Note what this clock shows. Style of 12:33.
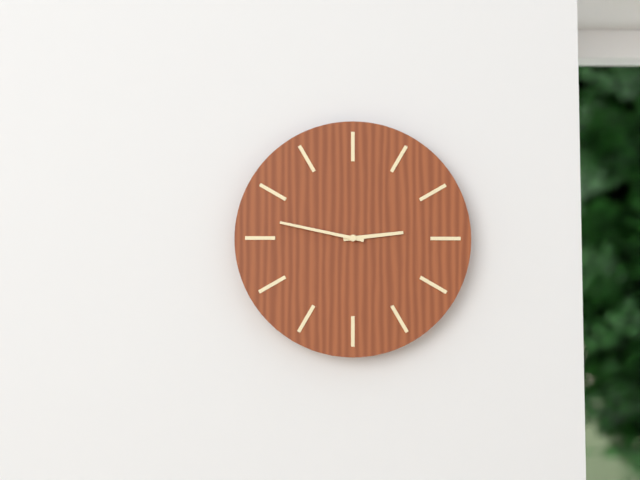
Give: 2:47
